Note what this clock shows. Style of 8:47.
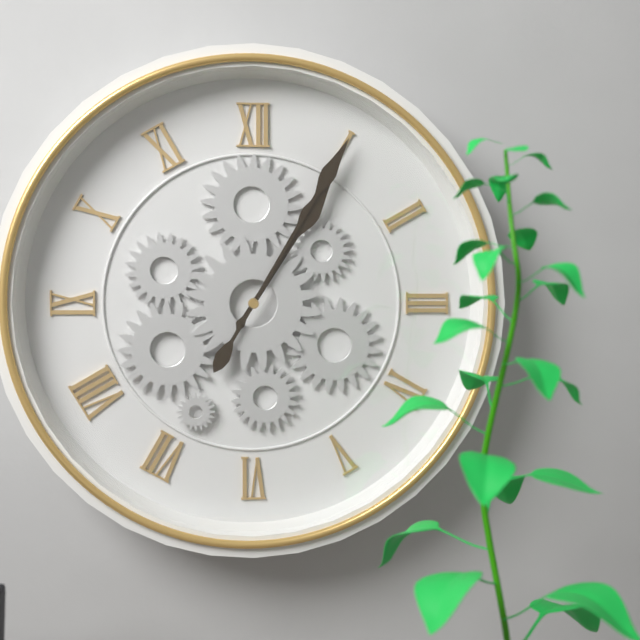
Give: 1:05
